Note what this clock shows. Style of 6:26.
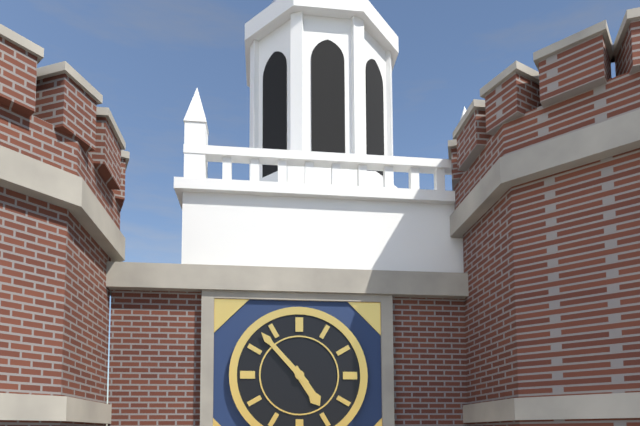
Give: 4:53
